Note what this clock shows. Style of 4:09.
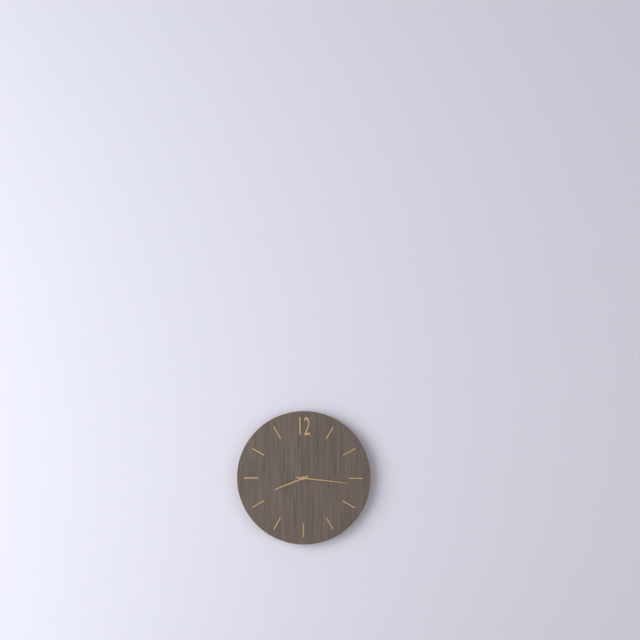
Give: 8:16
